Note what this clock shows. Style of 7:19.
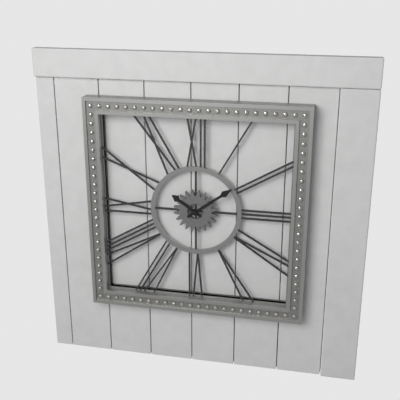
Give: 10:09
